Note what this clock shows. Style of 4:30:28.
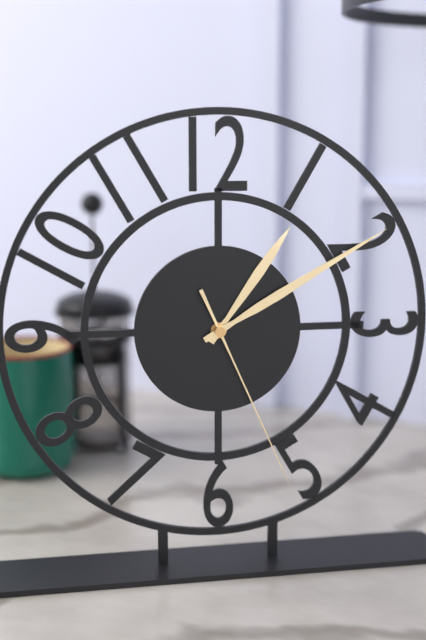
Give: 1:10:26
